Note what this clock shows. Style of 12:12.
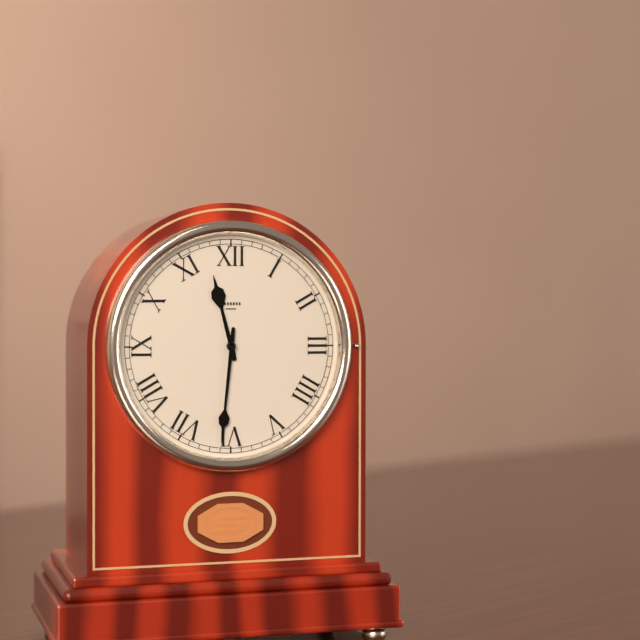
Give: 11:31
